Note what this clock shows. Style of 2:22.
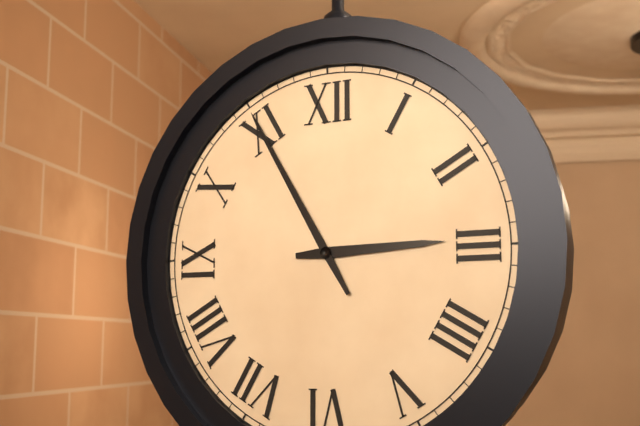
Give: 2:55
